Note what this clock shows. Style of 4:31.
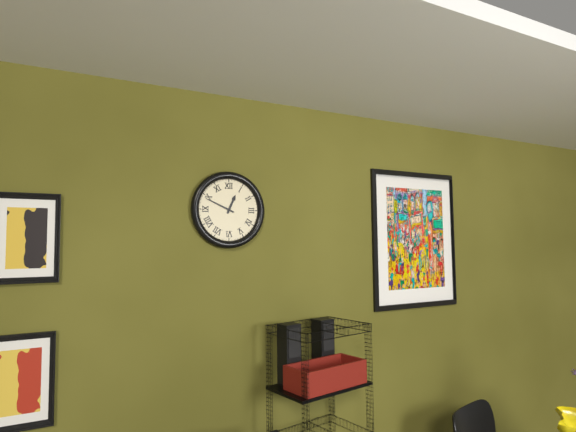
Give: 12:49
